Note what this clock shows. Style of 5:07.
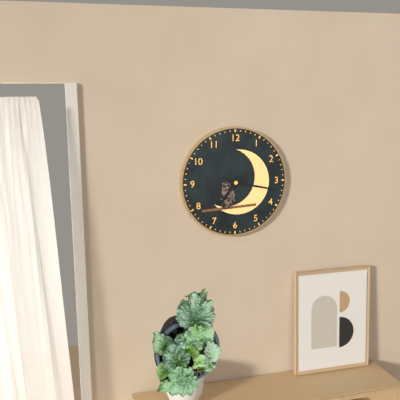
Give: 7:17
